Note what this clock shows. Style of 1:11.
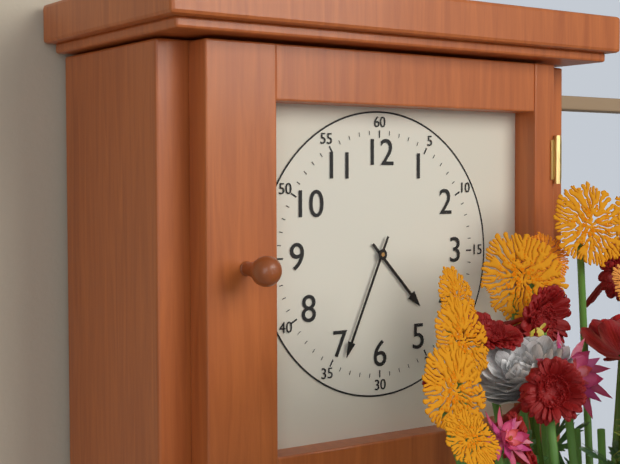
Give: 4:34
